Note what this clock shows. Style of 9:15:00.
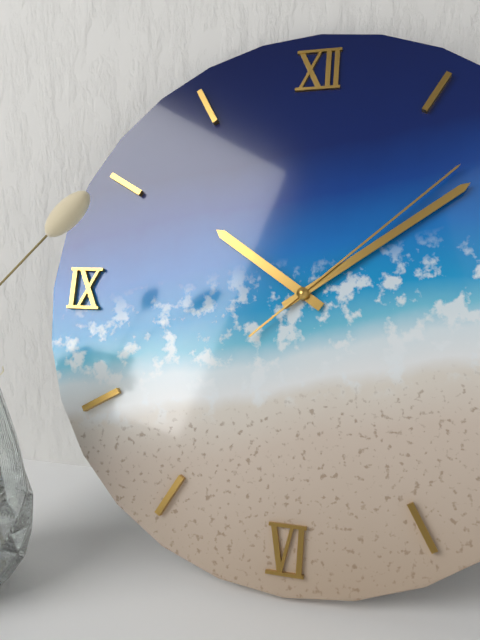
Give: 10:09:08
